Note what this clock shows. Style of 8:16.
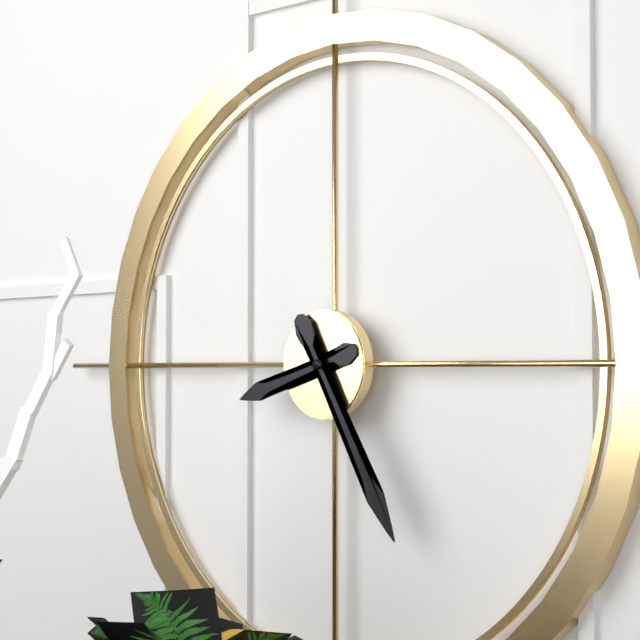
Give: 8:25
